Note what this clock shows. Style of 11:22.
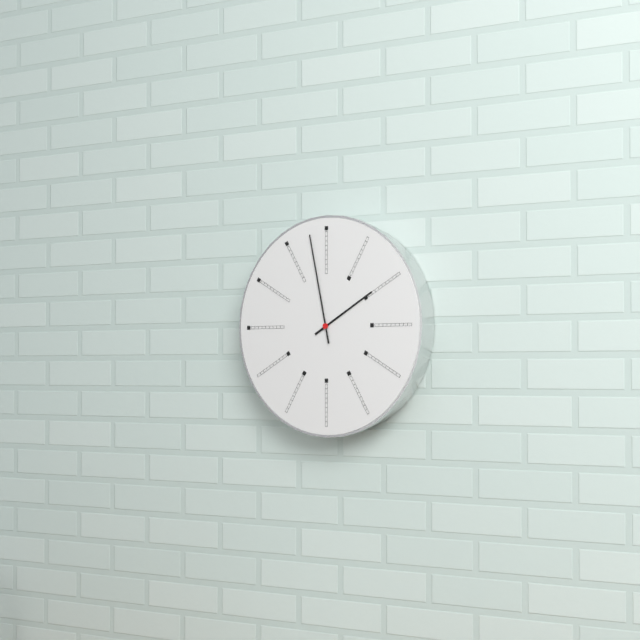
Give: 1:58
